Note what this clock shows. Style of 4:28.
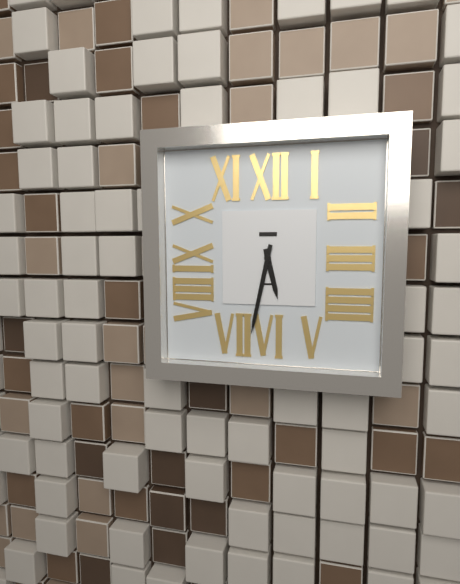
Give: 5:32
